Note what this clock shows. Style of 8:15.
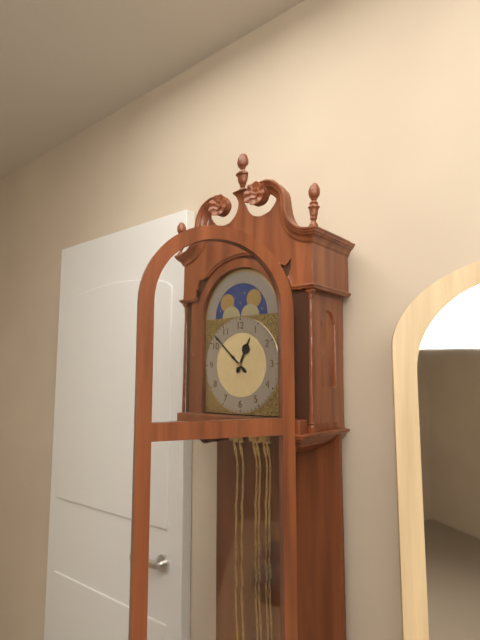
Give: 12:52
